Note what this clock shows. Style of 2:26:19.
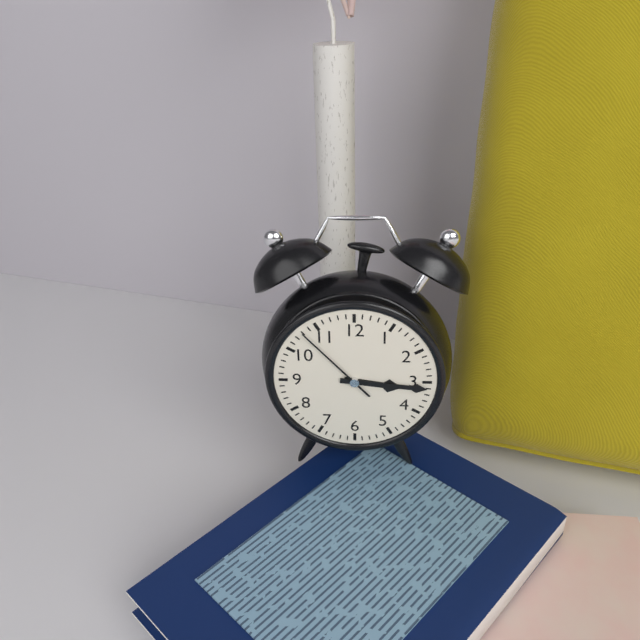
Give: 3:16:53
